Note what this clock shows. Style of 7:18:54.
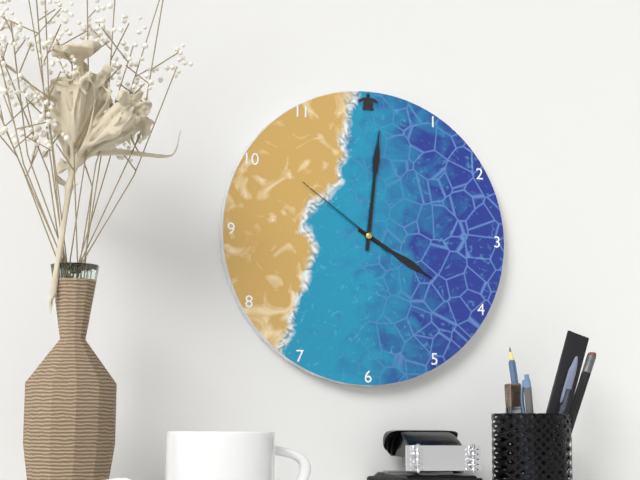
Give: 4:01:51
